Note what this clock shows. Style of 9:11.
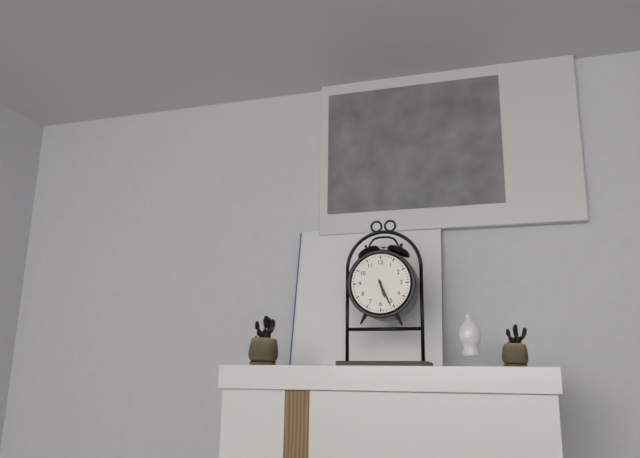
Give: 5:26
